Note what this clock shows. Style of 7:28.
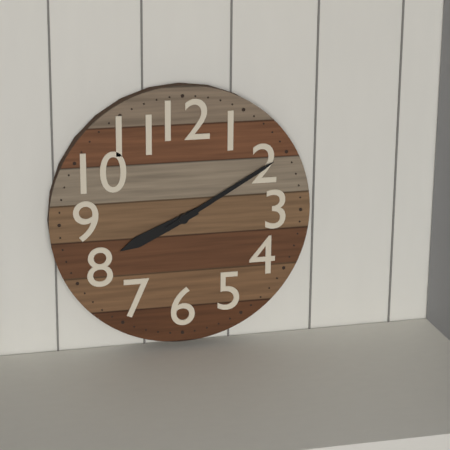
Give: 8:10
